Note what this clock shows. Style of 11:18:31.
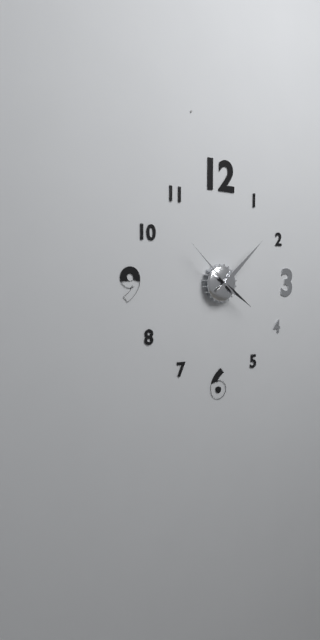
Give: 4:08:52
